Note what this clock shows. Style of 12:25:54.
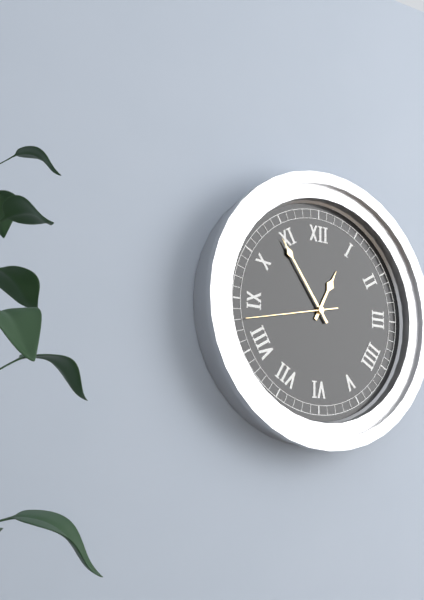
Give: 12:54:43
